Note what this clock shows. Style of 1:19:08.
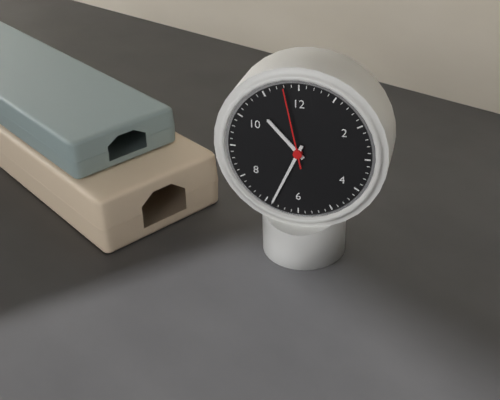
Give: 10:34:58
